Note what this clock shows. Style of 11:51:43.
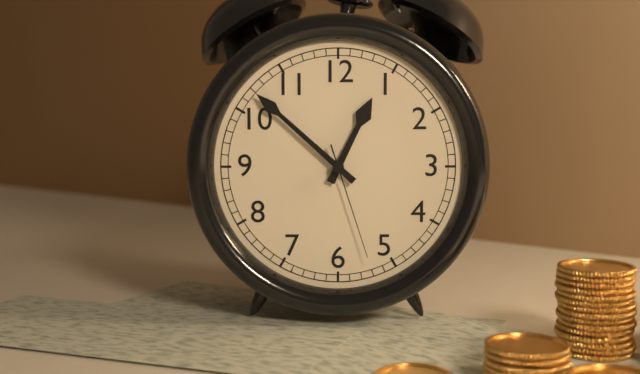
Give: 12:52:27
